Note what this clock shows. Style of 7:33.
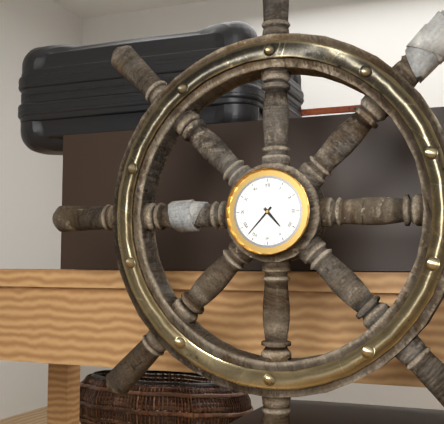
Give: 4:37
